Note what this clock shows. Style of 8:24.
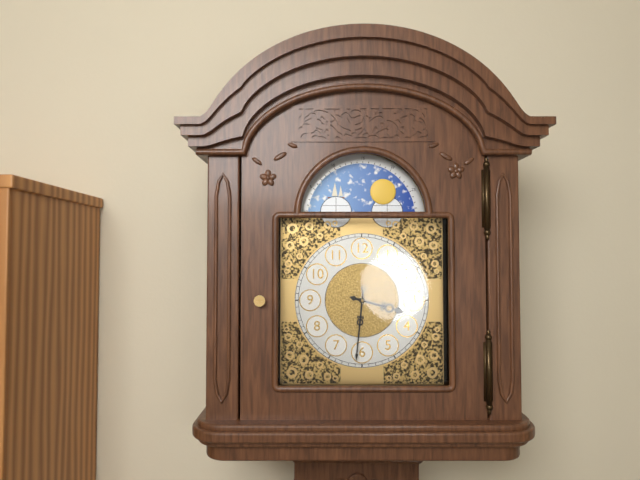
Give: 3:31
